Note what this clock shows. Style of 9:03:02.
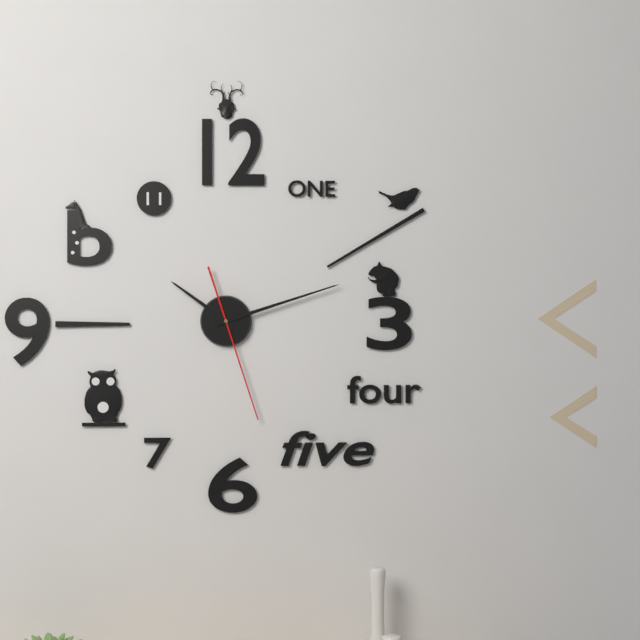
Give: 10:12:27
